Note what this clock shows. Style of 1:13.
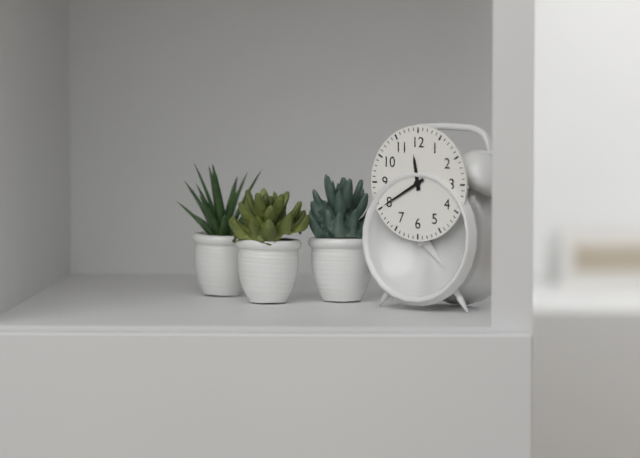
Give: 11:40
